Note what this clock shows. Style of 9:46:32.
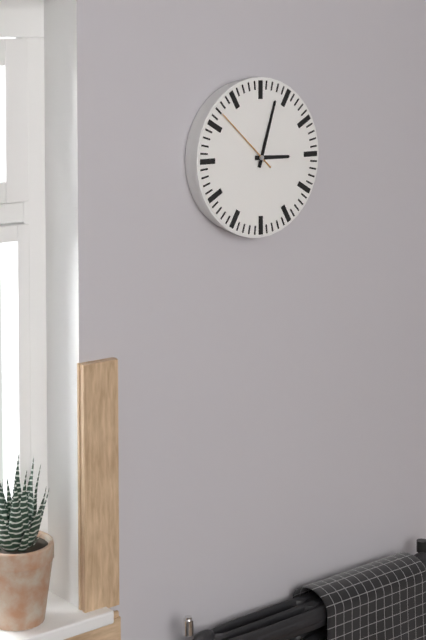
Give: 3:03:52
